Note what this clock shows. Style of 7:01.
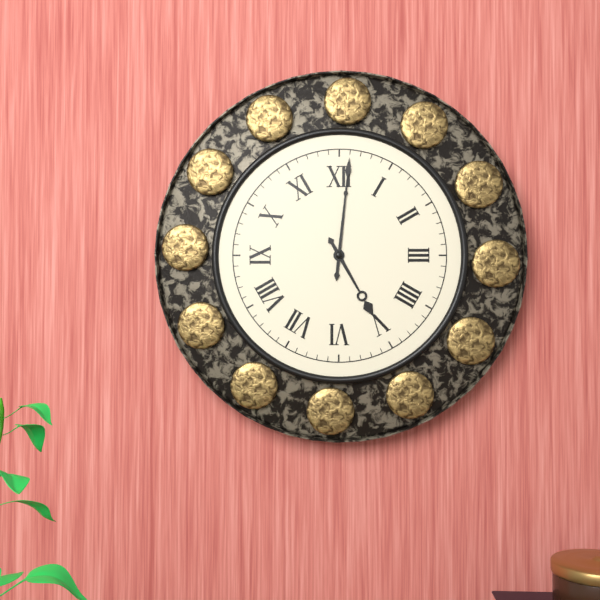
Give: 5:01
